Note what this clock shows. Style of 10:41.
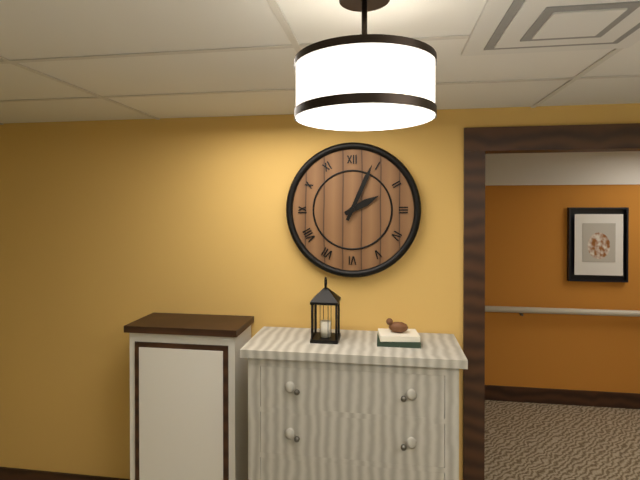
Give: 2:04
